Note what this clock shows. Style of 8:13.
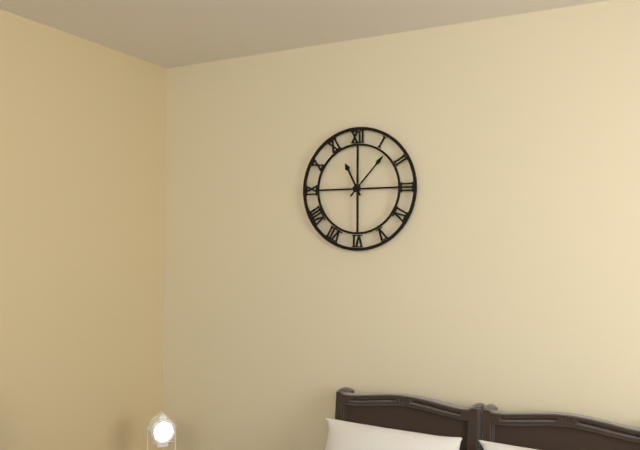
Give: 11:07
